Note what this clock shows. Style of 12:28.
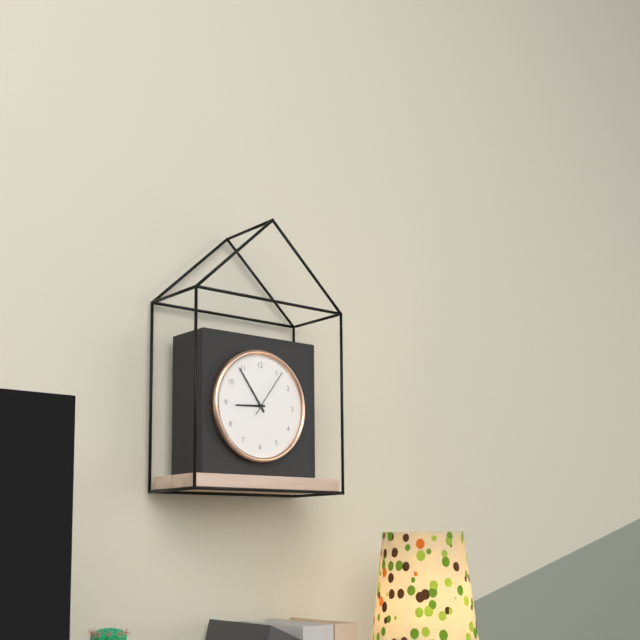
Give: 8:54
